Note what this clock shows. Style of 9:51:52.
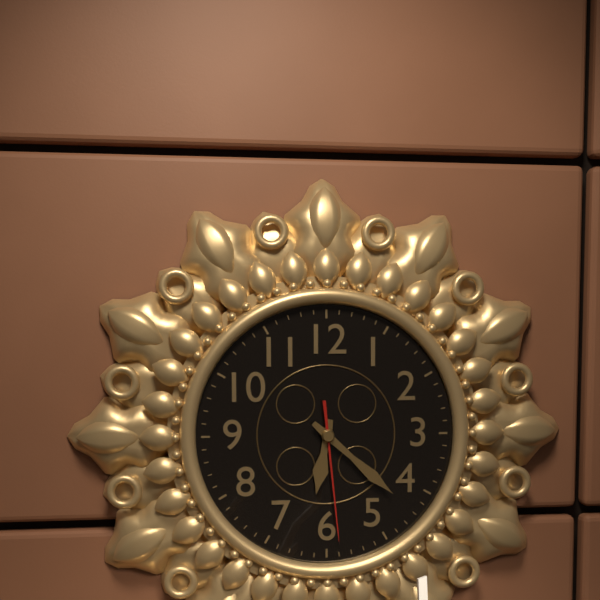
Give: 6:22:29
